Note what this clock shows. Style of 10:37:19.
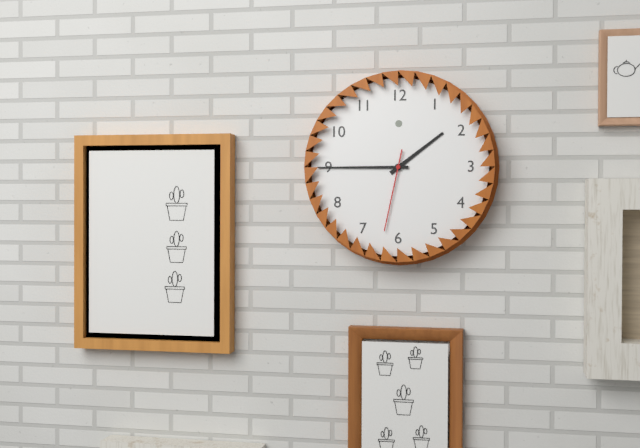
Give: 1:45:32
